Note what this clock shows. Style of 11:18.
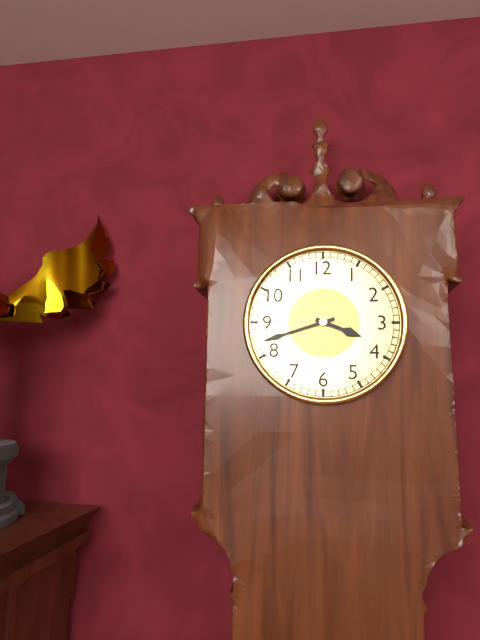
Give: 3:42
